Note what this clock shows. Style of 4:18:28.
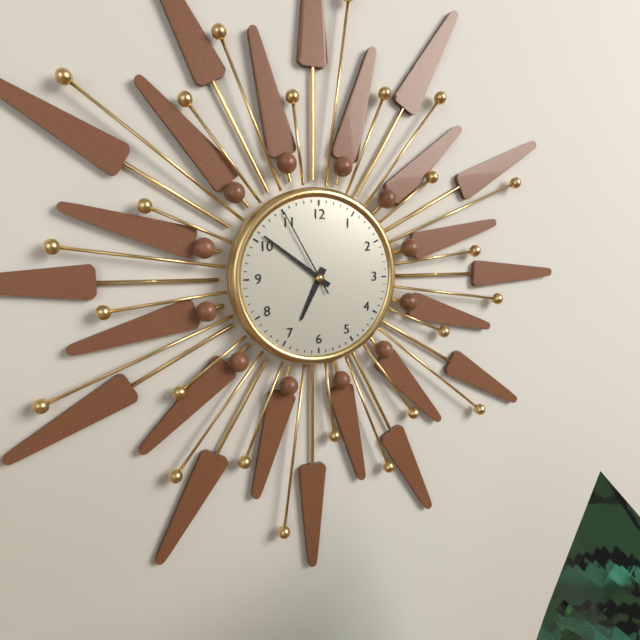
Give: 6:51:55
